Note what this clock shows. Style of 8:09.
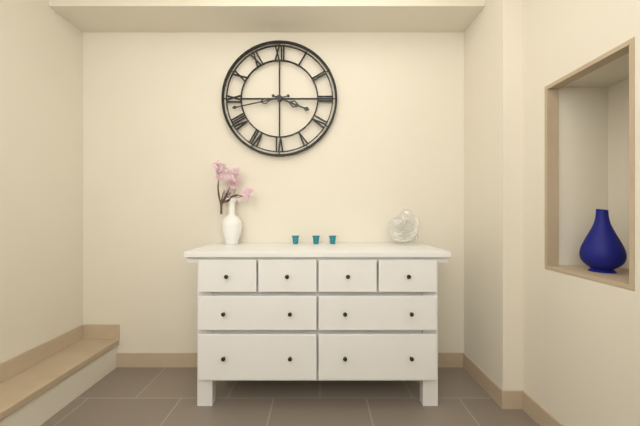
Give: 3:43
